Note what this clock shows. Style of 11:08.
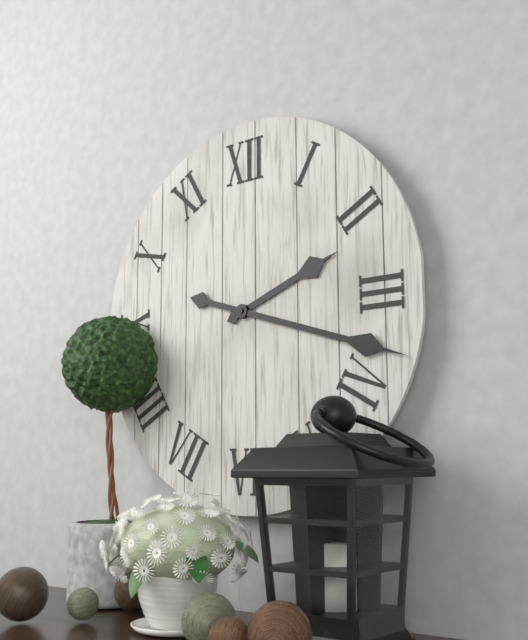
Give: 2:18
